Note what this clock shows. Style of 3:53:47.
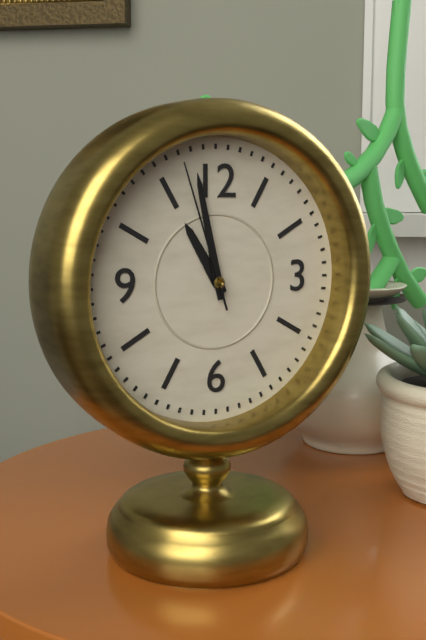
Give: 10:58:57
